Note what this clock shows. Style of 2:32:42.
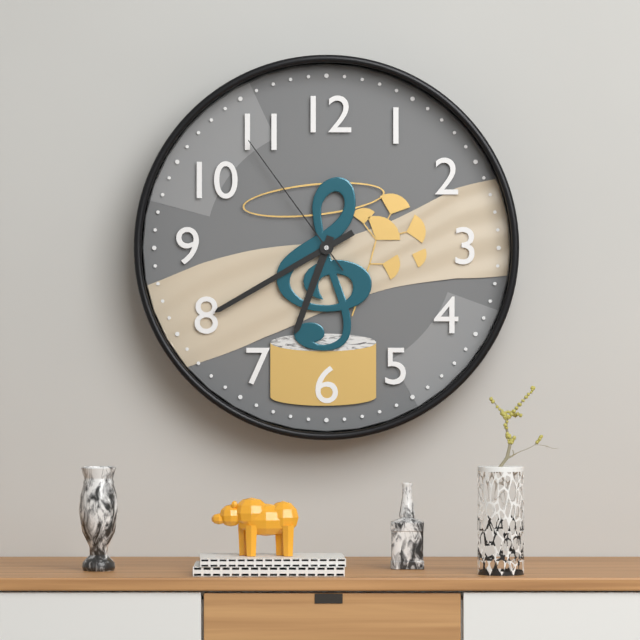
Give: 6:40:54
